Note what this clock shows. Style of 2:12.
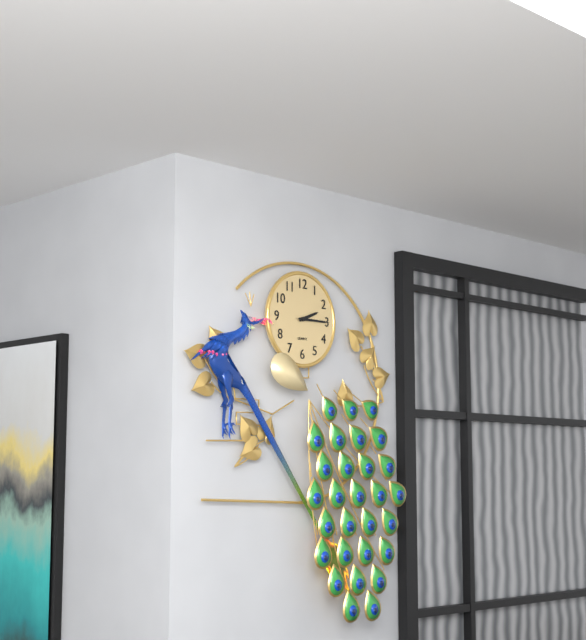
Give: 2:15
